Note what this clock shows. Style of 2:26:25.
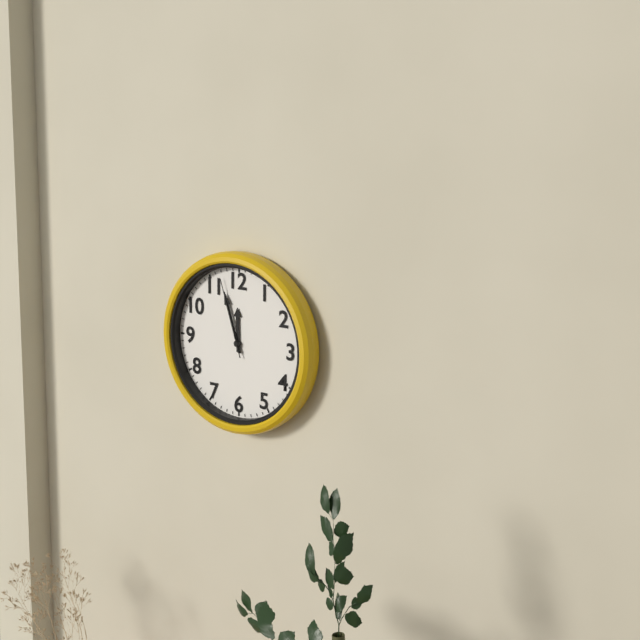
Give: 11:57:57
